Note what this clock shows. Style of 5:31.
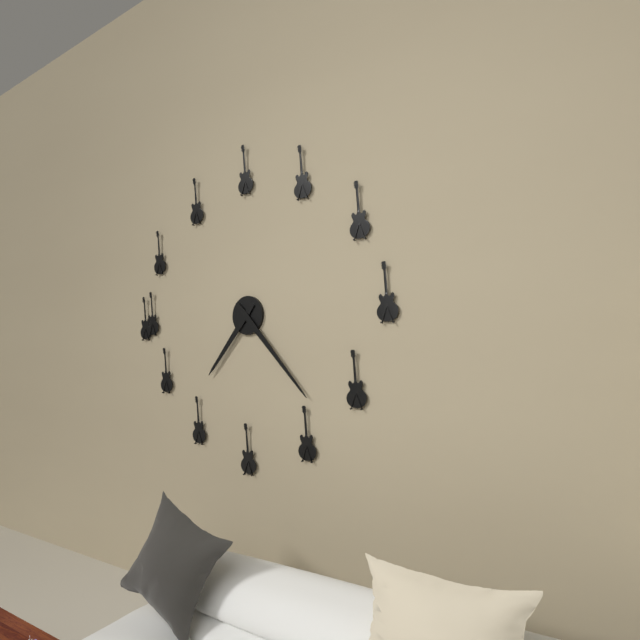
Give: 7:23
